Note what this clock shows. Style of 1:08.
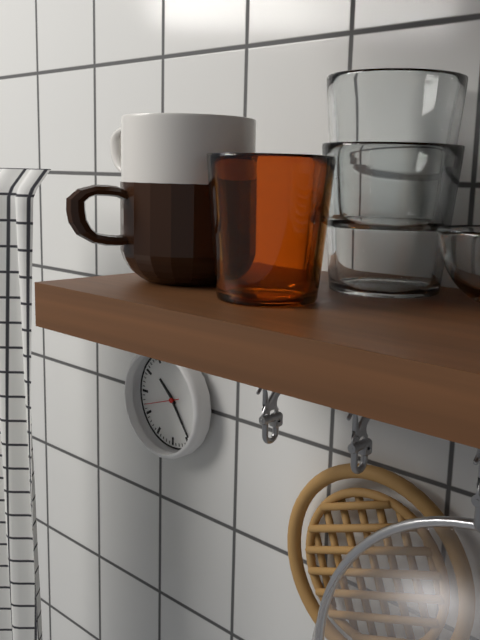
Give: 10:24
